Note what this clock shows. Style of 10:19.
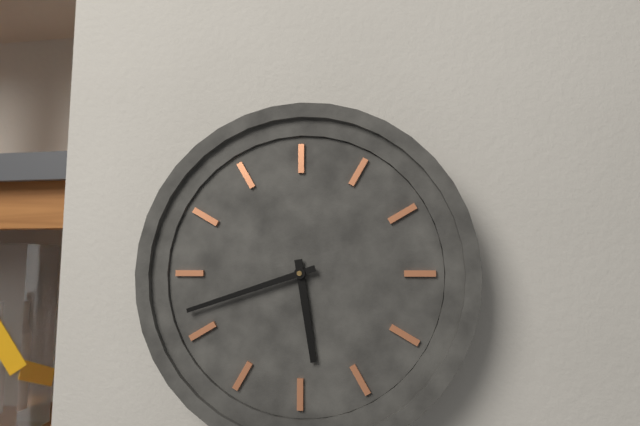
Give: 5:42
